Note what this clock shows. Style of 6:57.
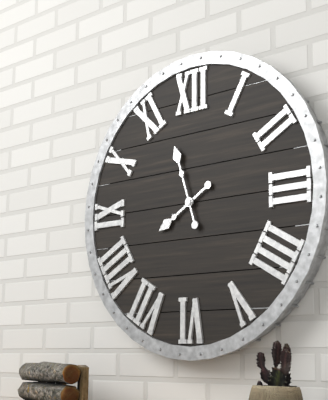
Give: 7:57
